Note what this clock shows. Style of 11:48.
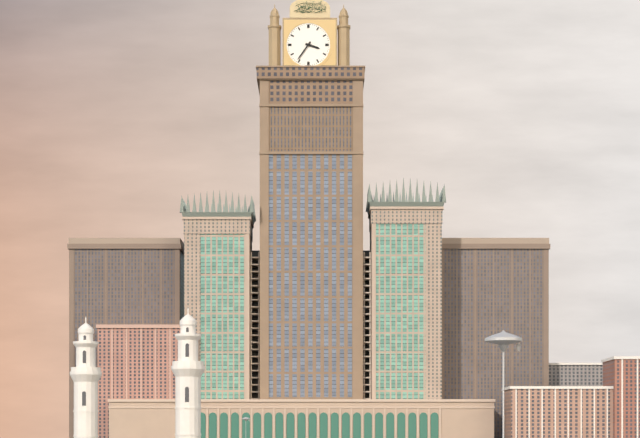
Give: 3:36
